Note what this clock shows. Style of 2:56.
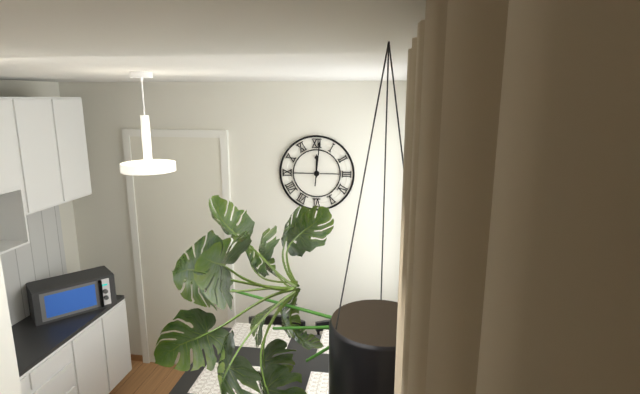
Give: 12:01
